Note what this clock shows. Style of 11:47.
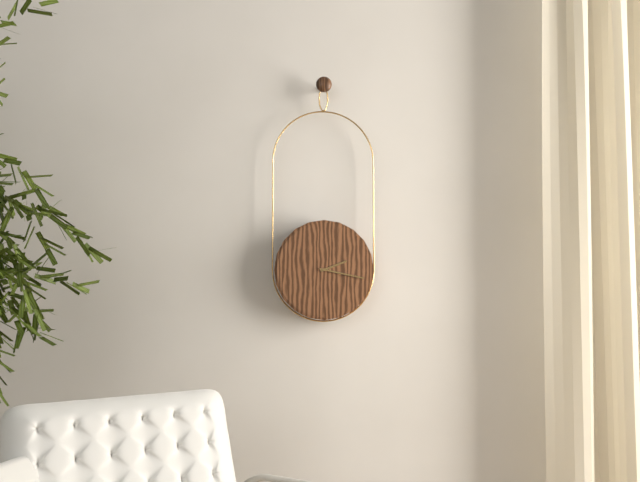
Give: 2:17
